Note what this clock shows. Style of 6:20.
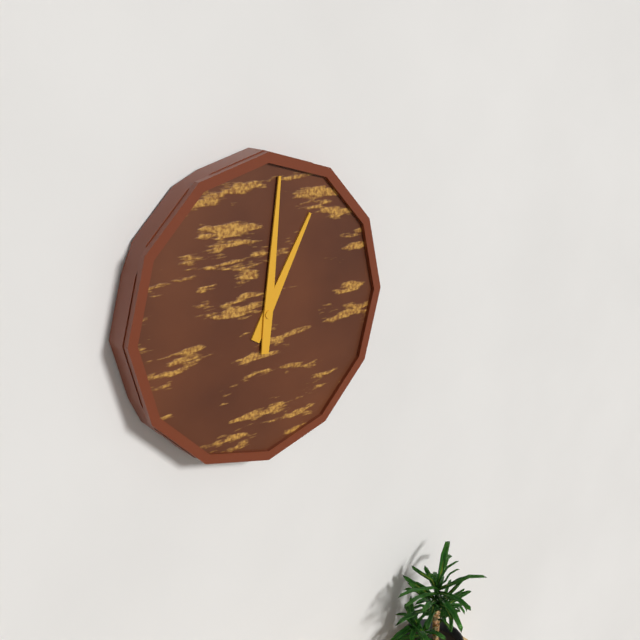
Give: 1:01
